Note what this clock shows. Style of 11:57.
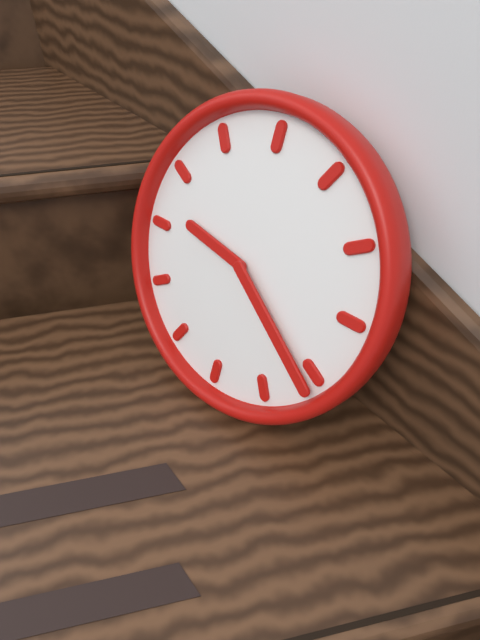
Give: 9:21
